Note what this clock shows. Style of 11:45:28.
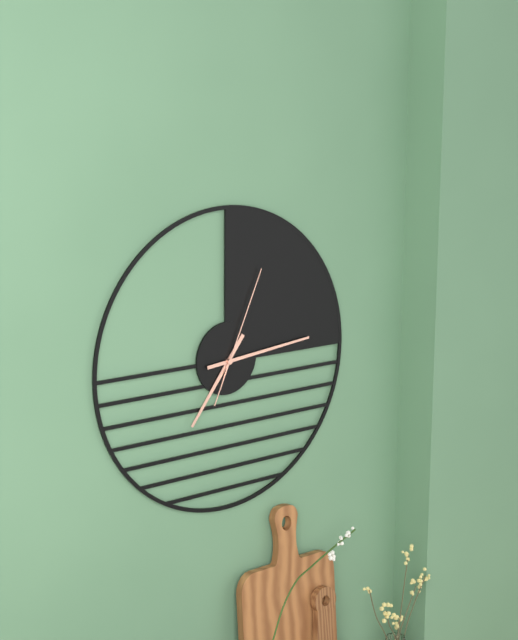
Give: 7:14:04
